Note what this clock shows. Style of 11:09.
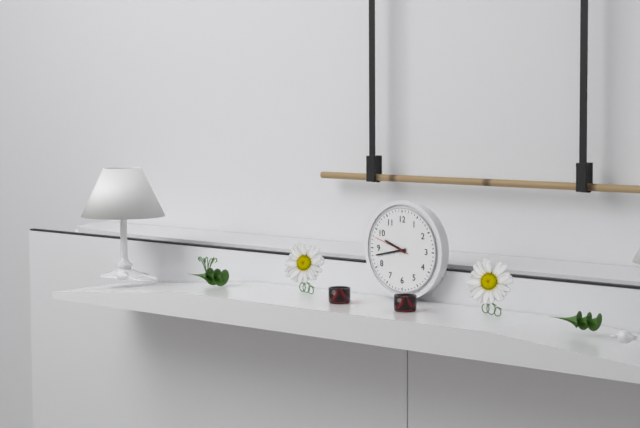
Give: 9:43
